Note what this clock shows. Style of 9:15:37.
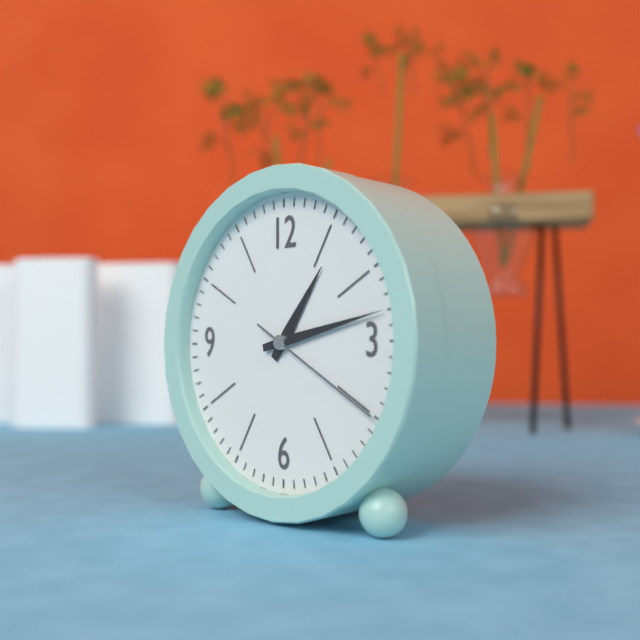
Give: 1:13:20
